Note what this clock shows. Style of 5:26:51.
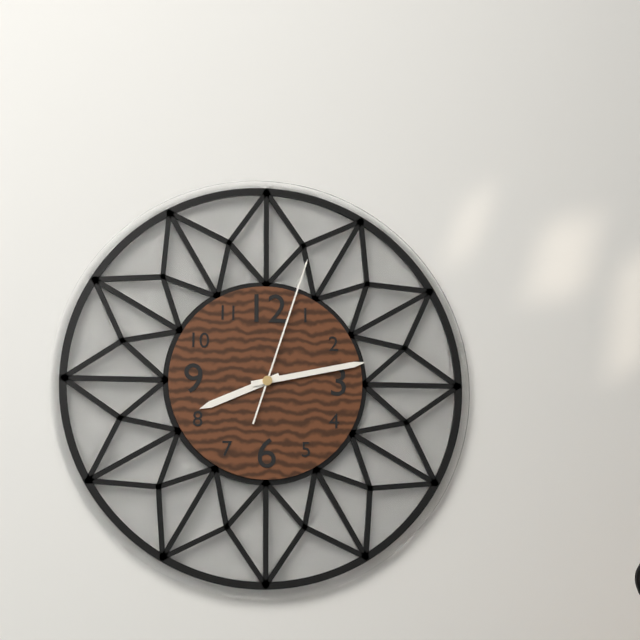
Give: 8:13:03
